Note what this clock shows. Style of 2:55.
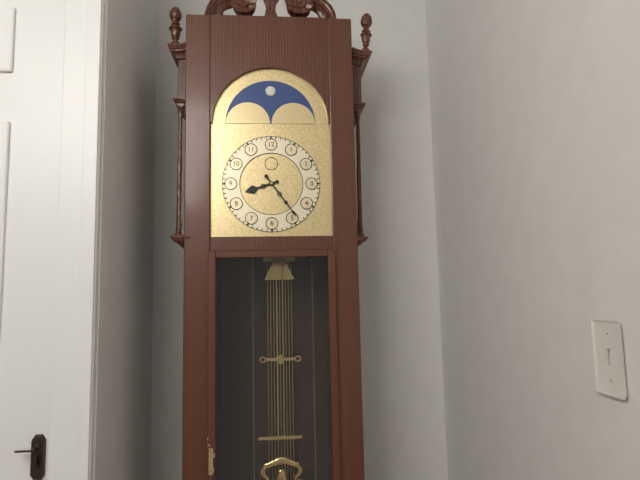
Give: 8:24
